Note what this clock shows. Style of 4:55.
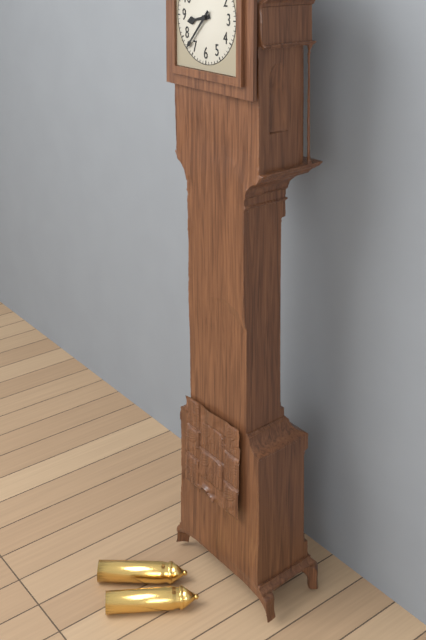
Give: 8:37
